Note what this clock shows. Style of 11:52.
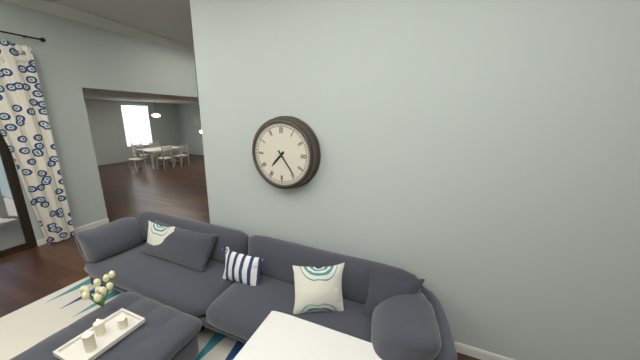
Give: 7:24
